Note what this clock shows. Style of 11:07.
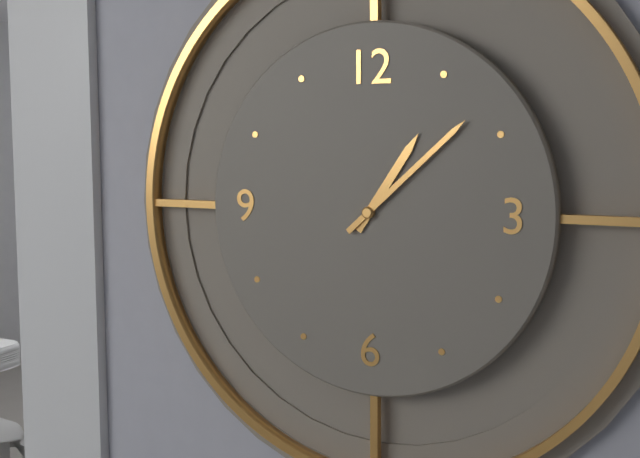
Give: 1:08
